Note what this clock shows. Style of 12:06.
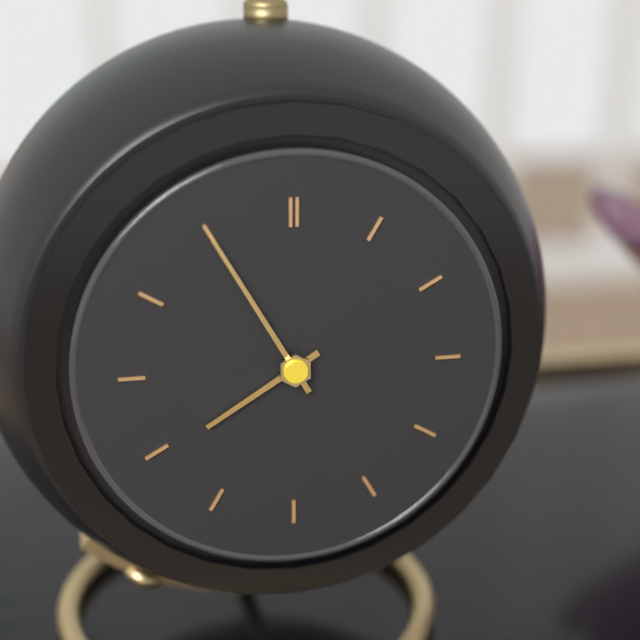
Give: 7:55
